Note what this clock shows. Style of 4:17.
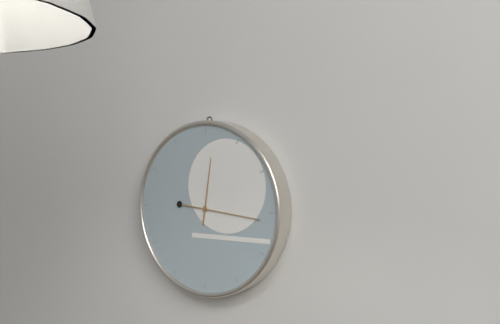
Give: 12:16
